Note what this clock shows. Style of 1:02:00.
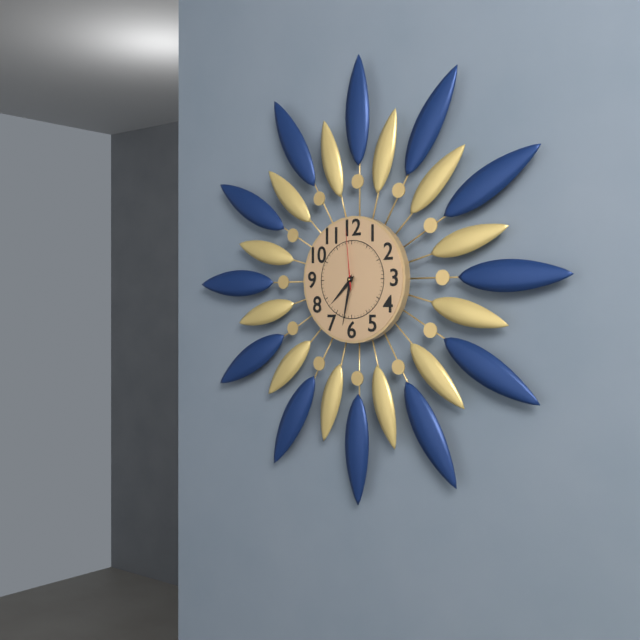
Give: 7:32:59
